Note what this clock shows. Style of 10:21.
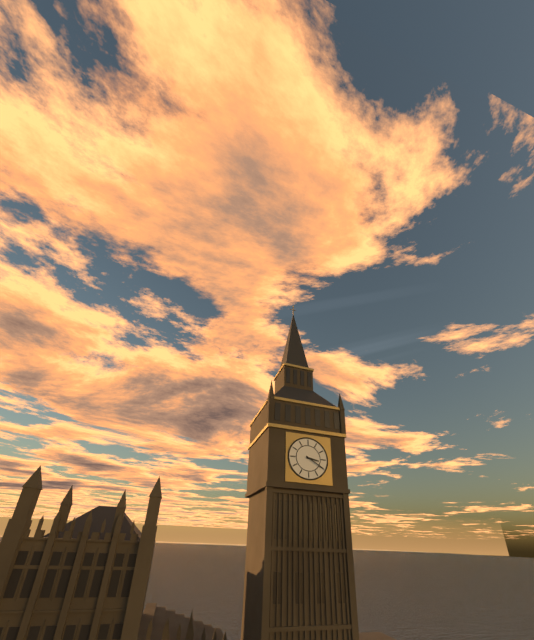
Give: 3:20
